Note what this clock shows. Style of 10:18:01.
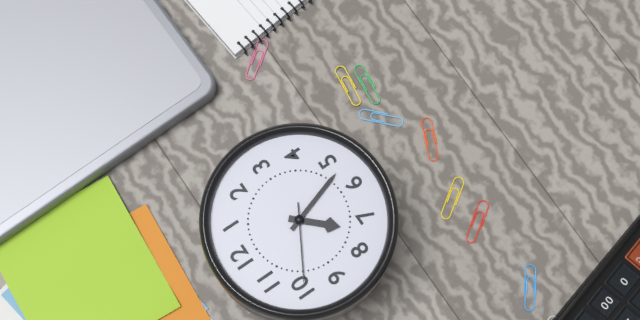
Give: 7:27:50
